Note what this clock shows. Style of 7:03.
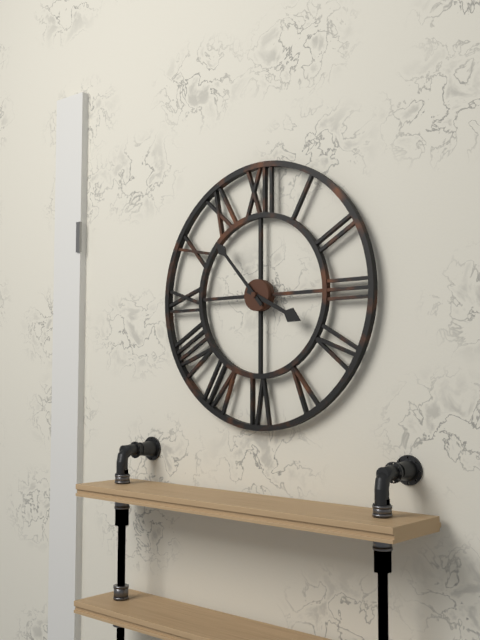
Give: 3:53
